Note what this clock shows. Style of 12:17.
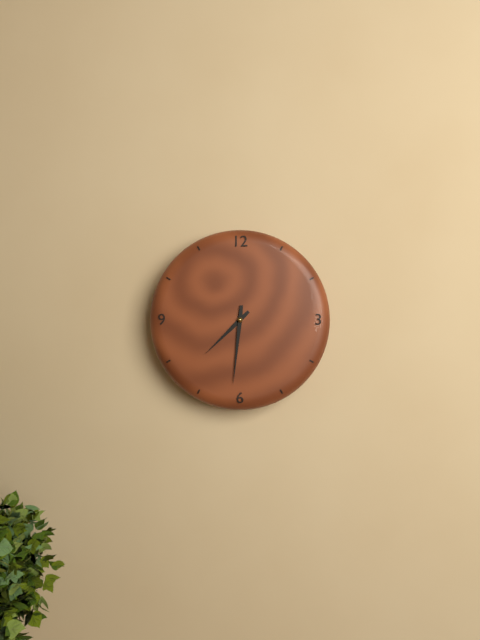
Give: 7:31
